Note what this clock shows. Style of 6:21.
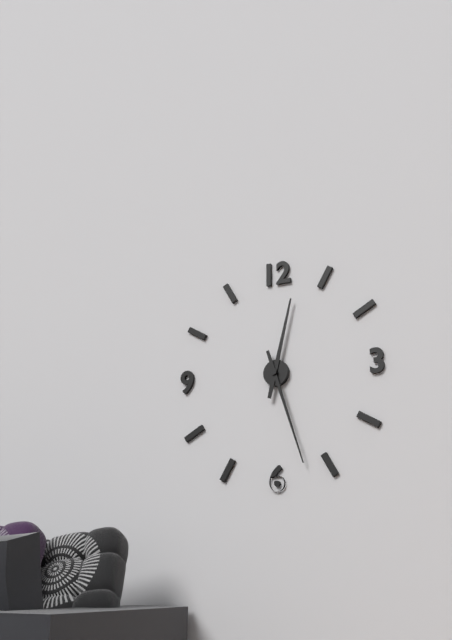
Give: 12:27
